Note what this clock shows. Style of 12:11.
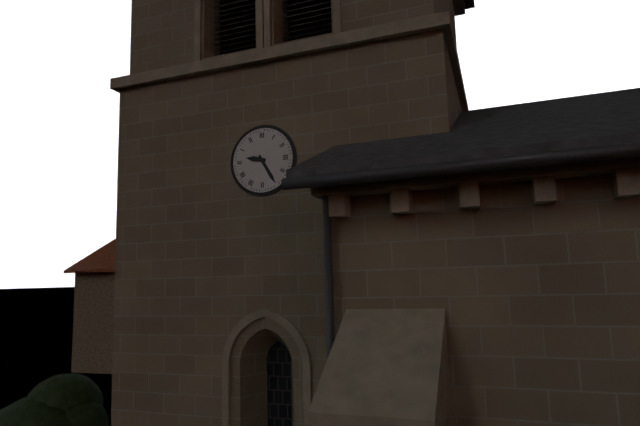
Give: 9:25
